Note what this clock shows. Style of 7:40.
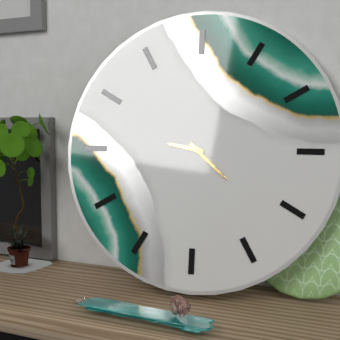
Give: 9:22
